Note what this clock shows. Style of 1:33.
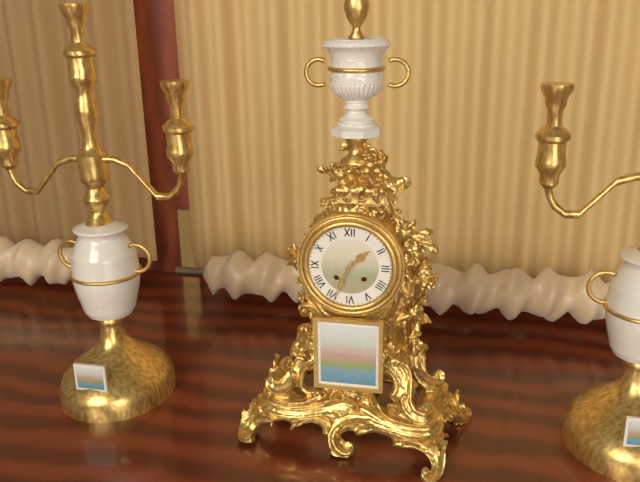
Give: 1:34
